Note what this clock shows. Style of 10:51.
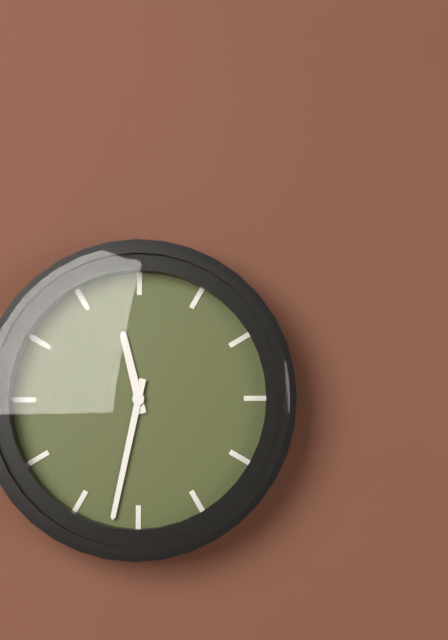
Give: 11:32
